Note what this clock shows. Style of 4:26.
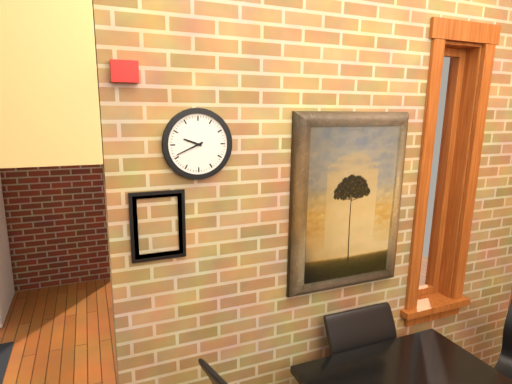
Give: 9:41
